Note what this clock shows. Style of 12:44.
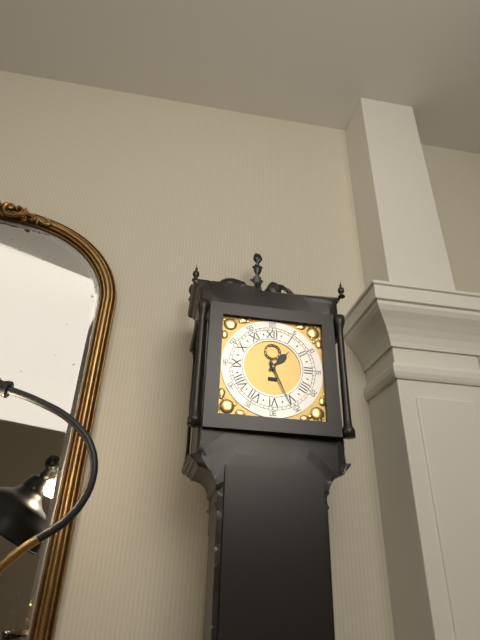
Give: 1:26
